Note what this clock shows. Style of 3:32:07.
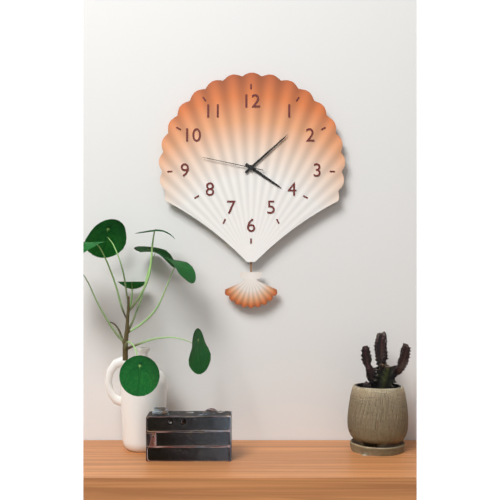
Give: 4:08:47
